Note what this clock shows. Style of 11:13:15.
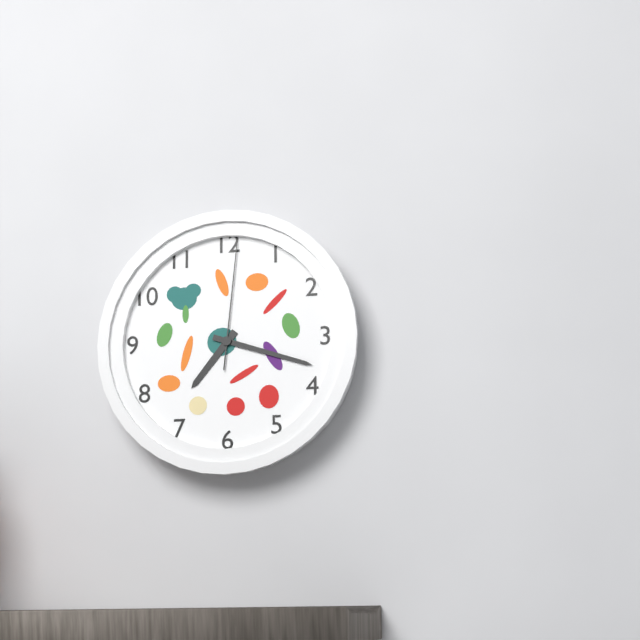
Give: 7:18:01
